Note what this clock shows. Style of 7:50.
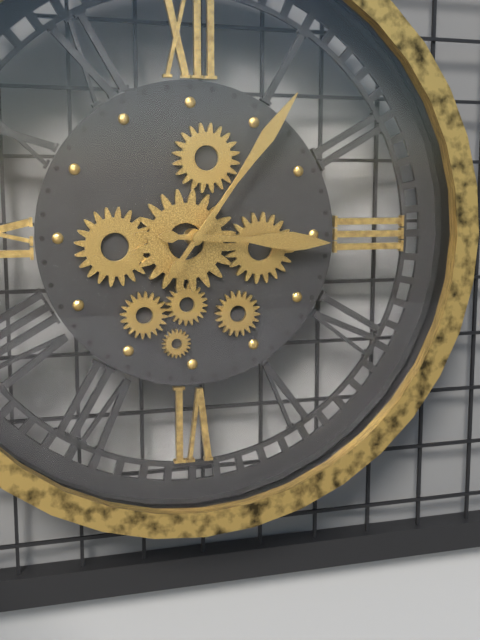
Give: 3:06
